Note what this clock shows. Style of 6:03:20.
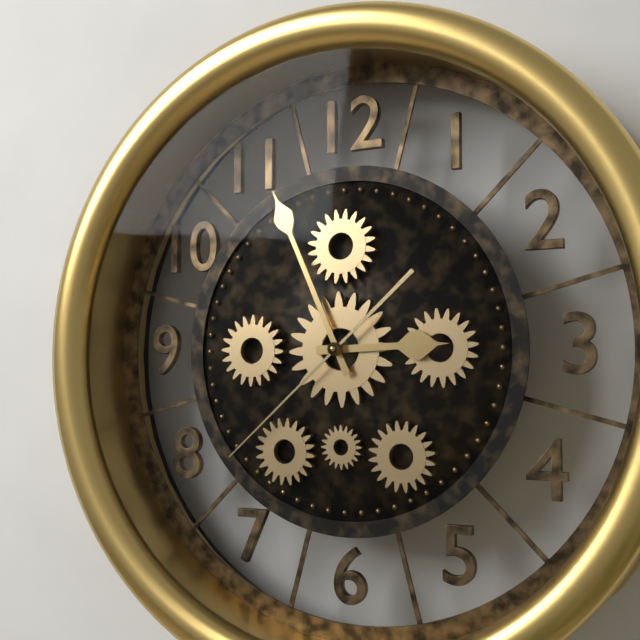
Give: 2:56:38
